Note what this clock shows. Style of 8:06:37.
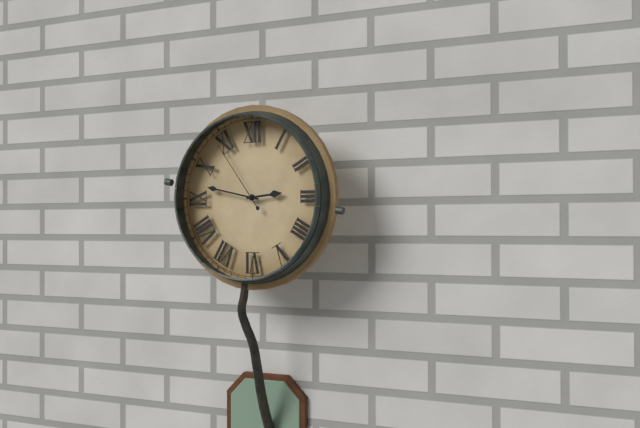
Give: 2:47:54
